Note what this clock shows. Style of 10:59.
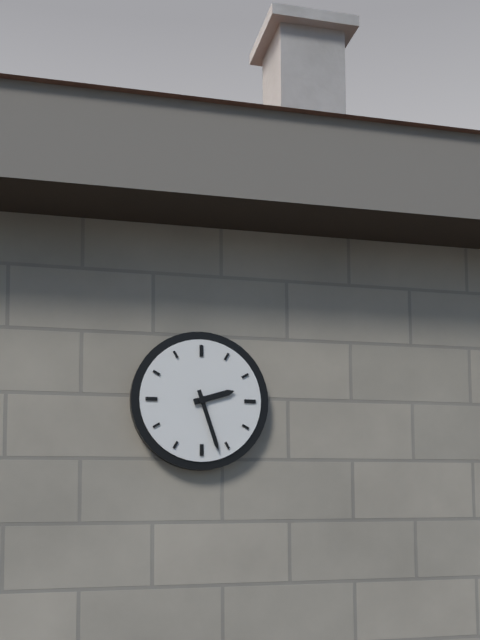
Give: 2:27
